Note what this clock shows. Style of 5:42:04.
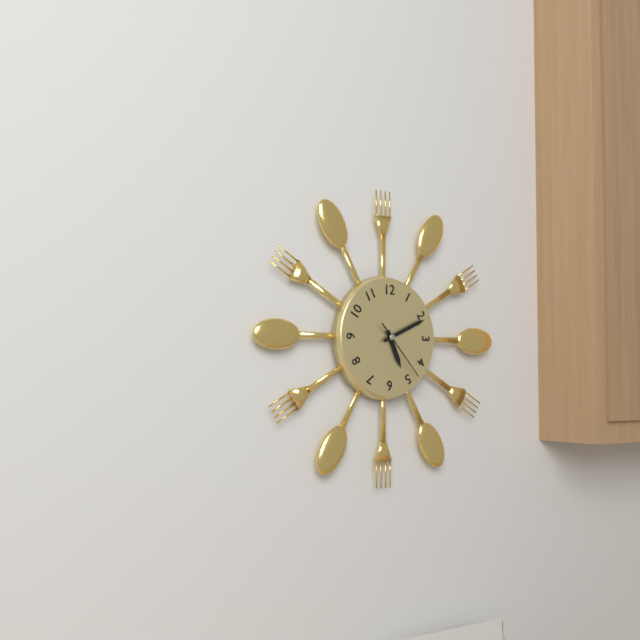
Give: 5:11:23
